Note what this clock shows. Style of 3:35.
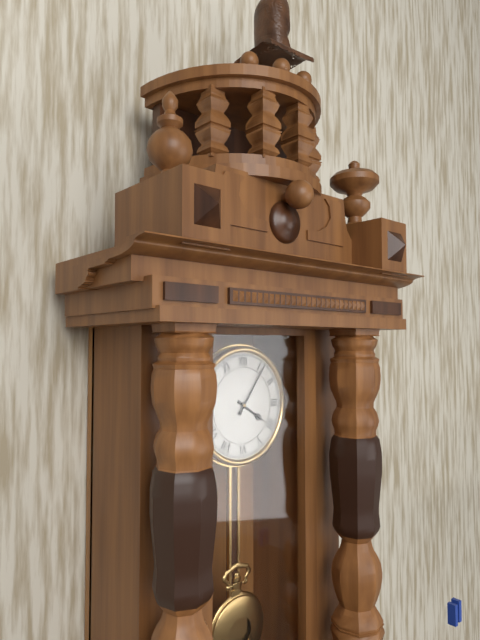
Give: 4:06
